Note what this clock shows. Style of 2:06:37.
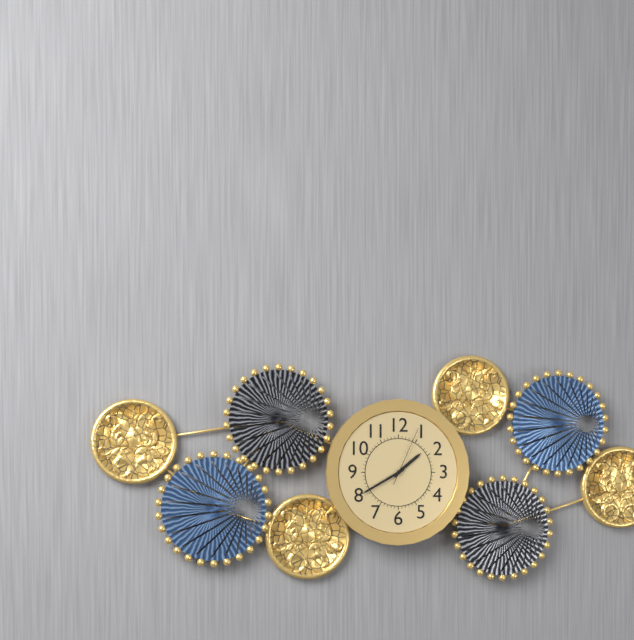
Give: 1:40:04
